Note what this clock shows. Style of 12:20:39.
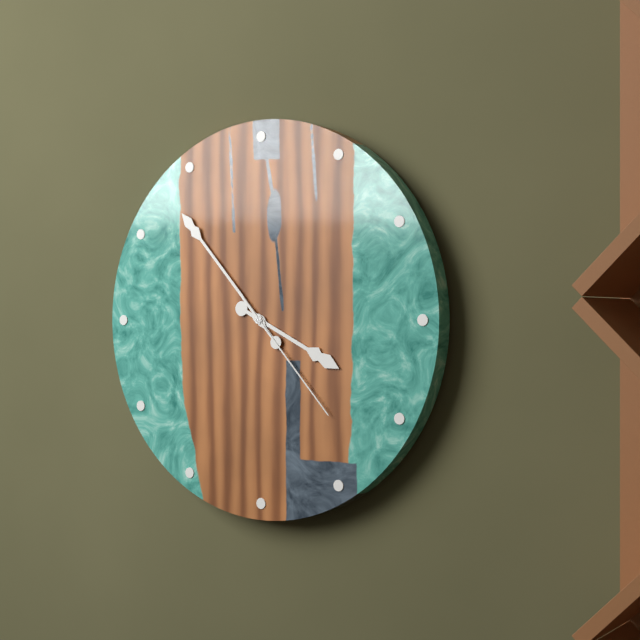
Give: 3:53:23
